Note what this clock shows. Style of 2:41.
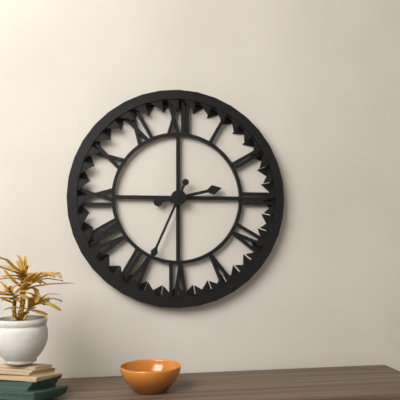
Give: 2:34
